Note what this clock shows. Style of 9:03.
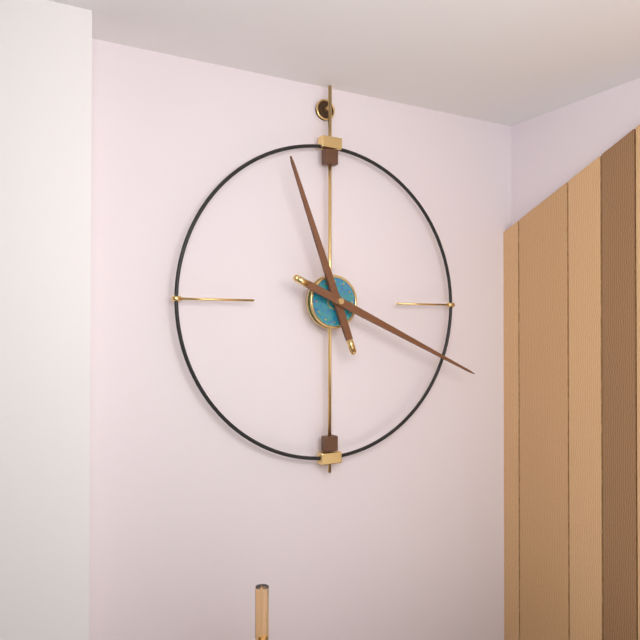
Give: 11:19
